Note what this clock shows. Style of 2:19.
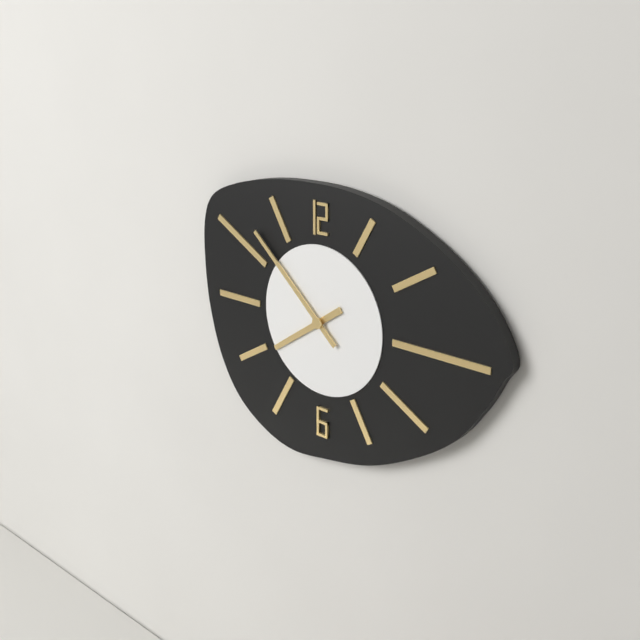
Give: 7:52
